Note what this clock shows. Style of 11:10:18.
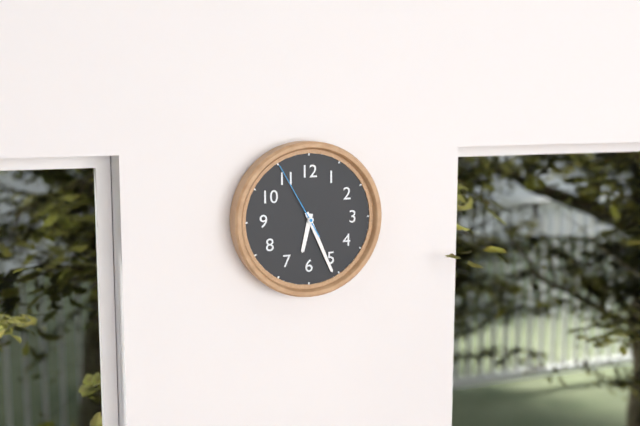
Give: 6:26:55
